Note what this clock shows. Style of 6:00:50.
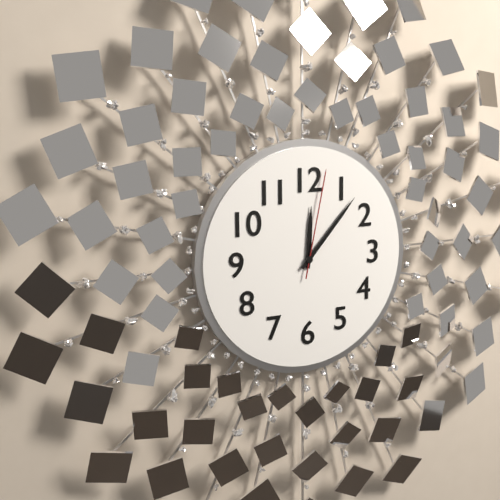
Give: 12:07:02
